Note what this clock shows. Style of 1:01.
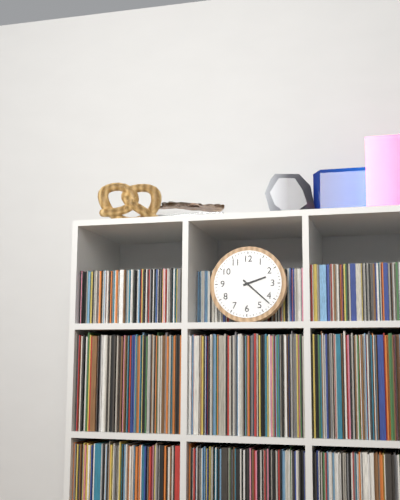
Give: 2:22
